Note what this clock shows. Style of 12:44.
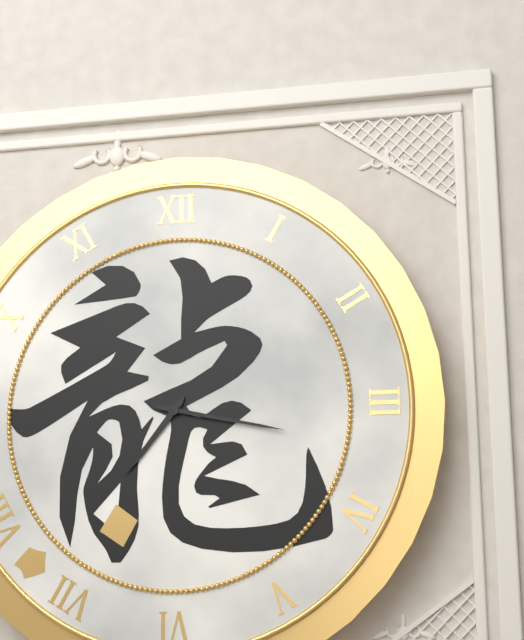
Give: 7:17
